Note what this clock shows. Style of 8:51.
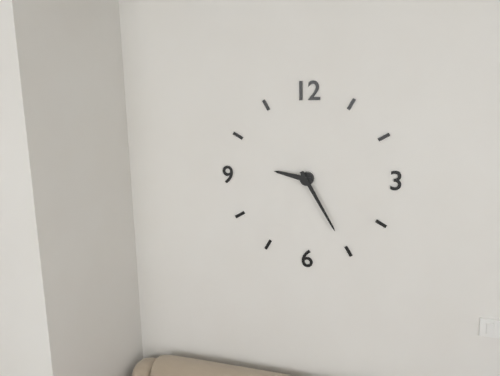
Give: 9:25
